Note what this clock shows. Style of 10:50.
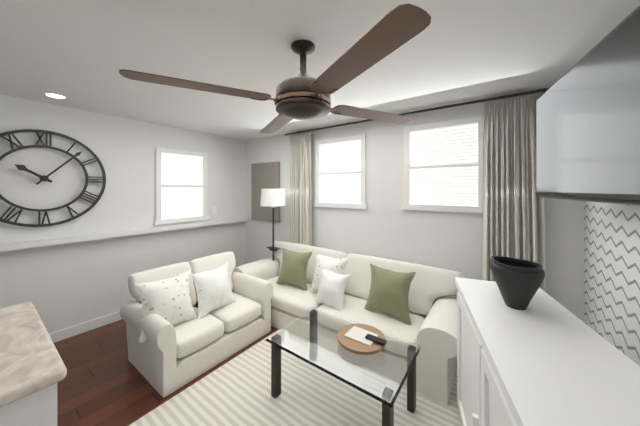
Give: 10:07
